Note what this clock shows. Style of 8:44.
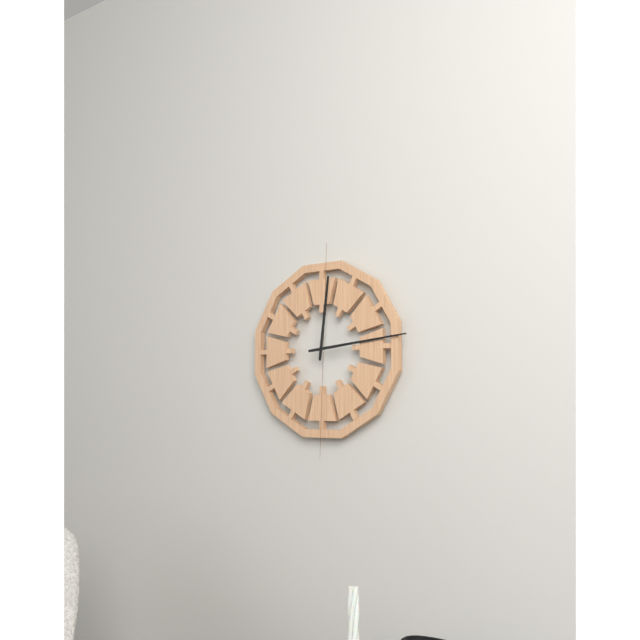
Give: 12:14
